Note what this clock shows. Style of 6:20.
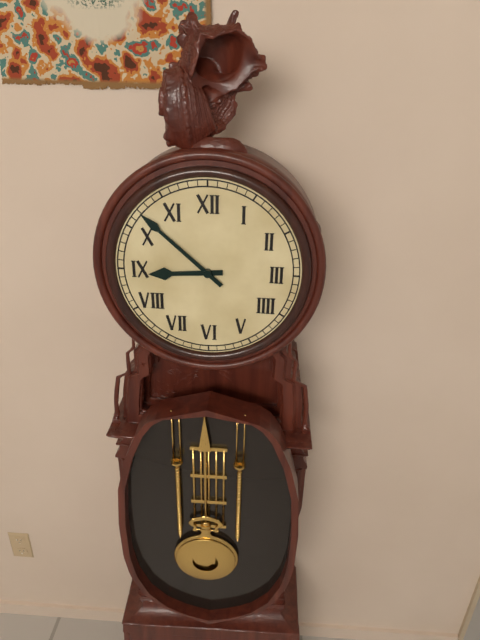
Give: 8:52
